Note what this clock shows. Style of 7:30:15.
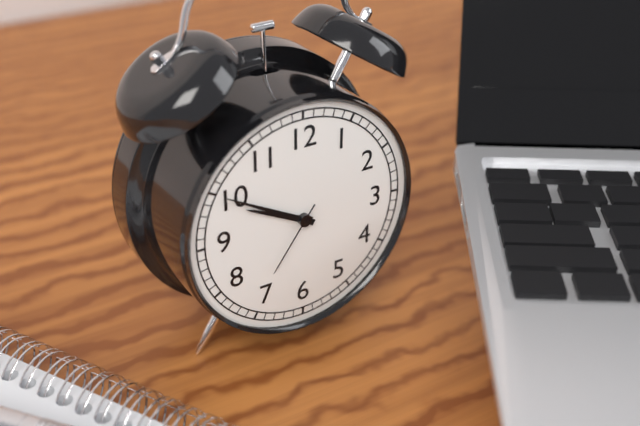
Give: 9:50:36
